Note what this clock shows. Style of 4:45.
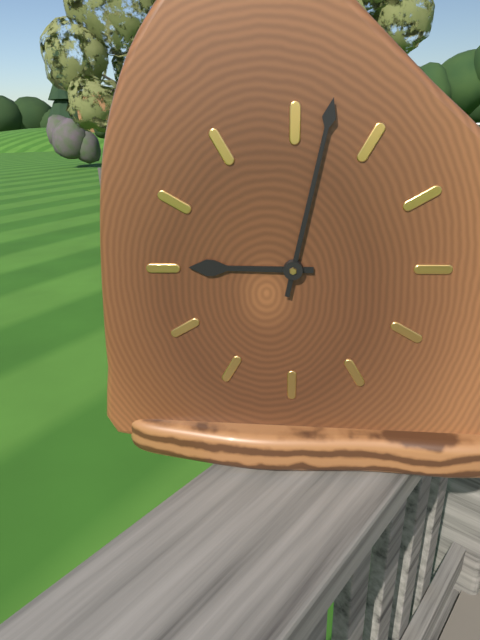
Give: 9:02
